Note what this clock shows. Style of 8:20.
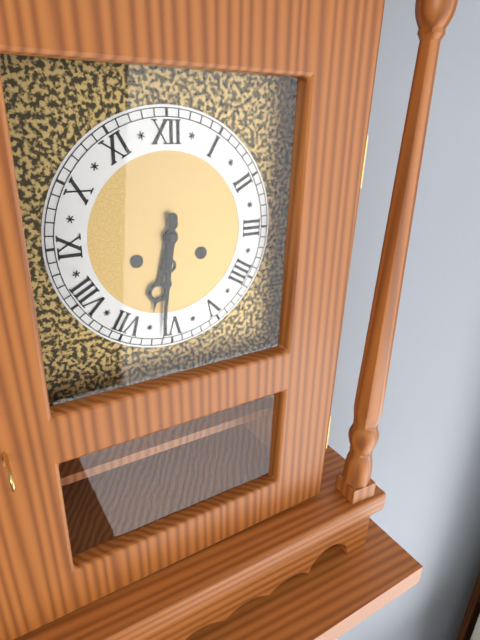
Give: 6:31
